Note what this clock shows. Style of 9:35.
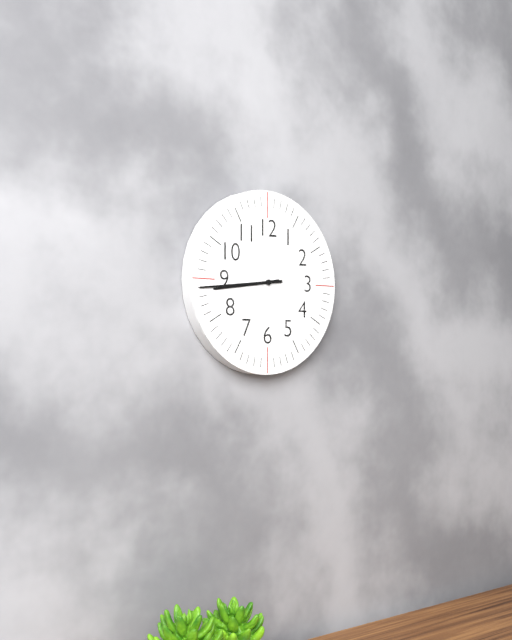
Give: 8:44
